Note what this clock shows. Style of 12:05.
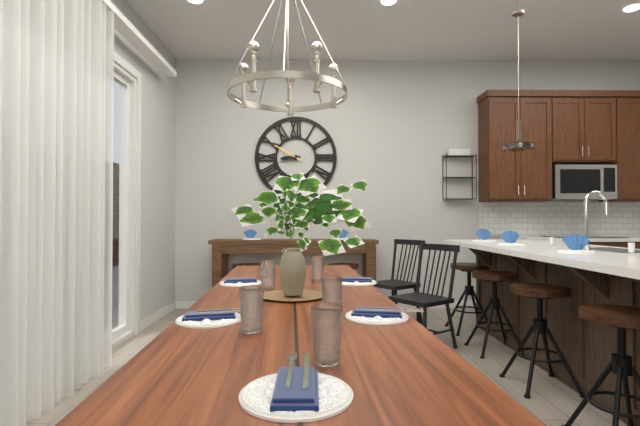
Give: 8:50
